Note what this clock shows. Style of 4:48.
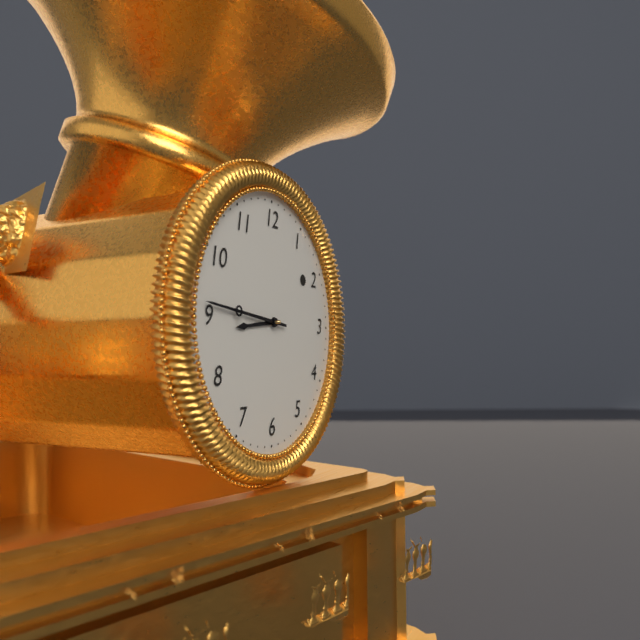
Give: 8:46
